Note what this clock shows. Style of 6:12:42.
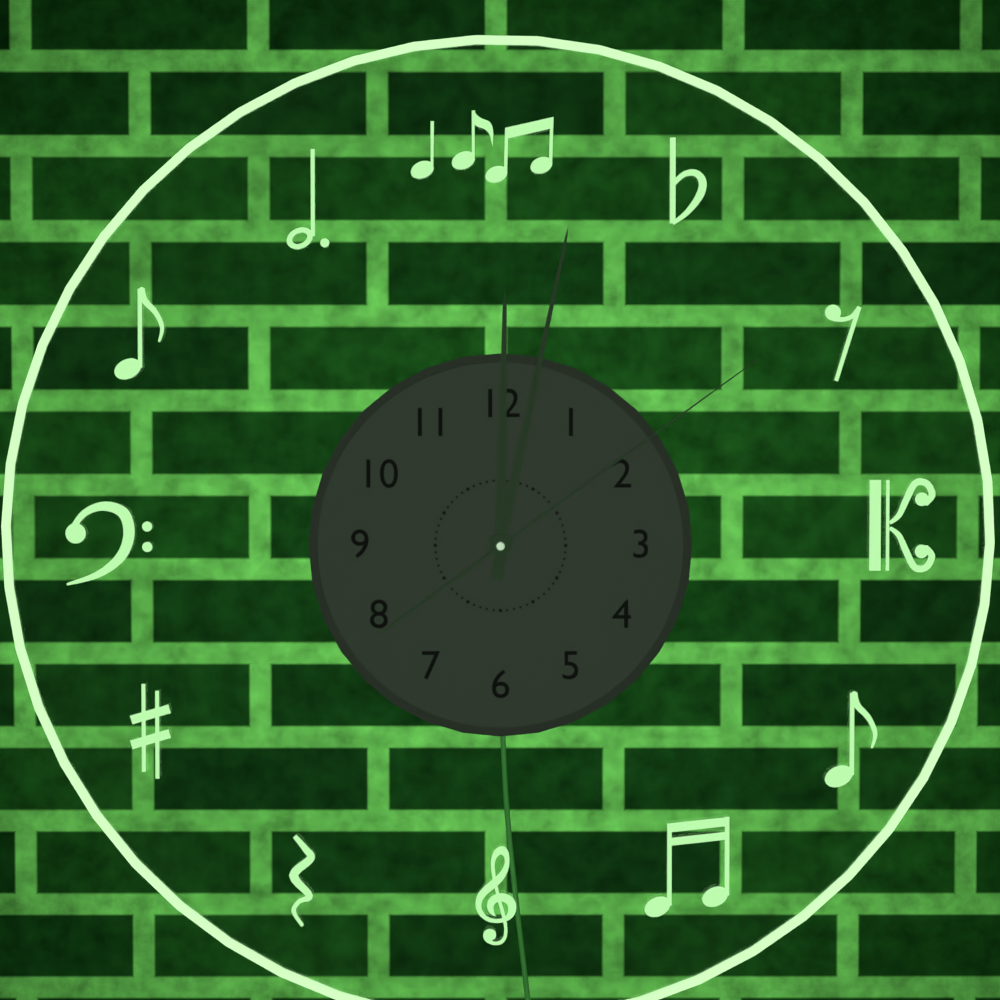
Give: 12:02:09
